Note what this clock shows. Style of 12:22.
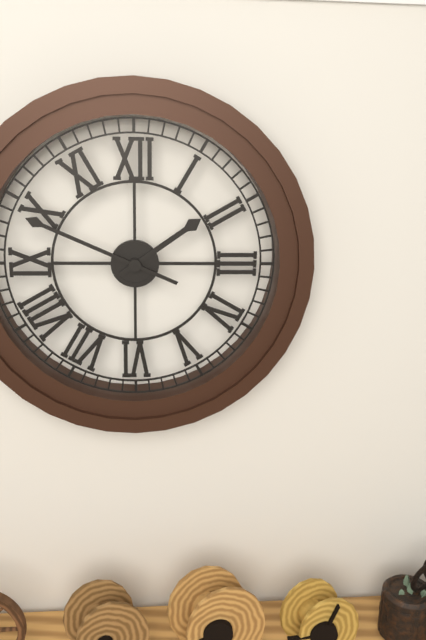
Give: 1:49
